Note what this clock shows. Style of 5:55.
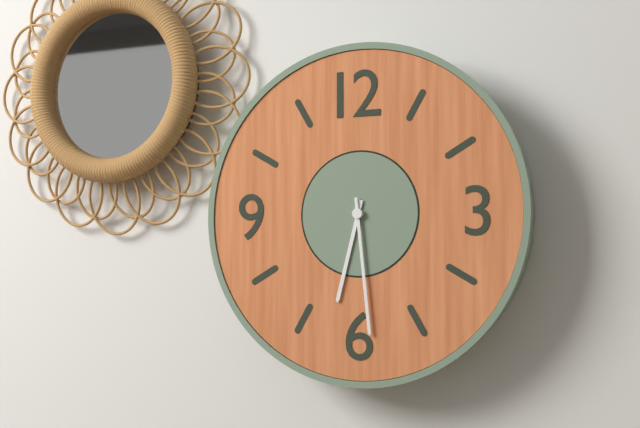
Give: 6:29
